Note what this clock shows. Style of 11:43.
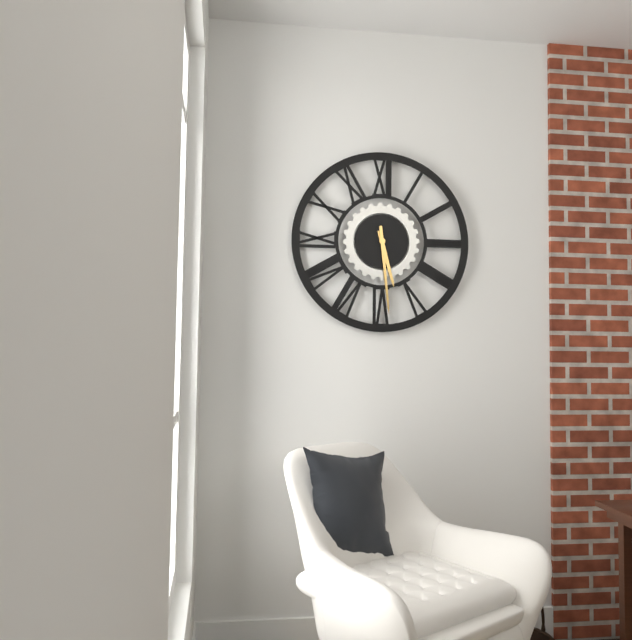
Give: 5:29
